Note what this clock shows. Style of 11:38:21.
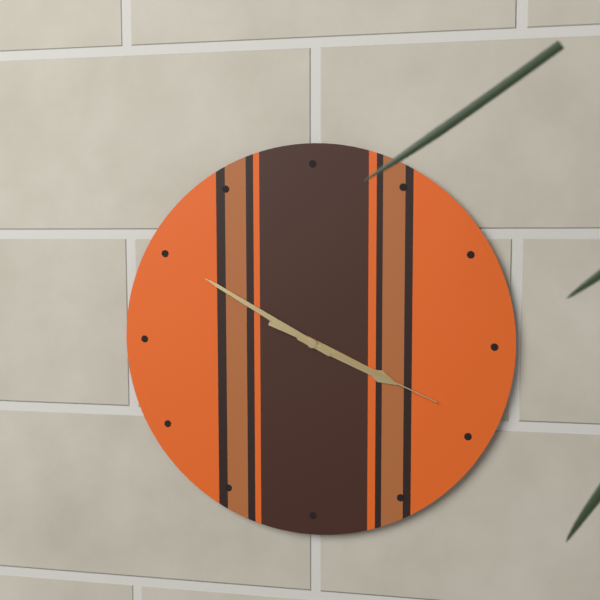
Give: 3:50:19
